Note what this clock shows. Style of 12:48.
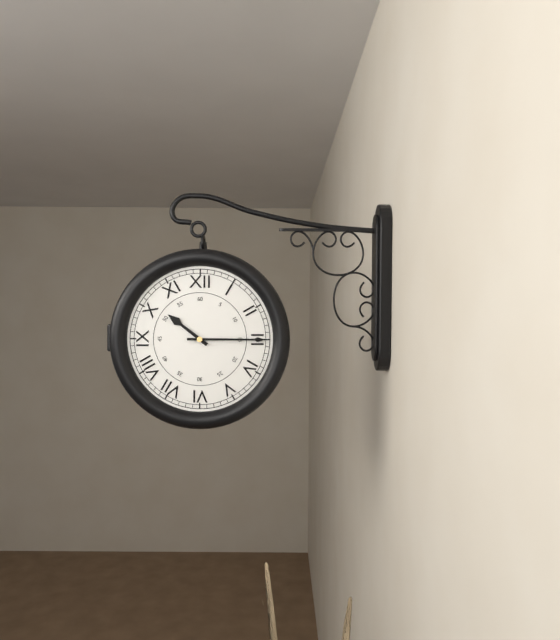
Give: 10:15
